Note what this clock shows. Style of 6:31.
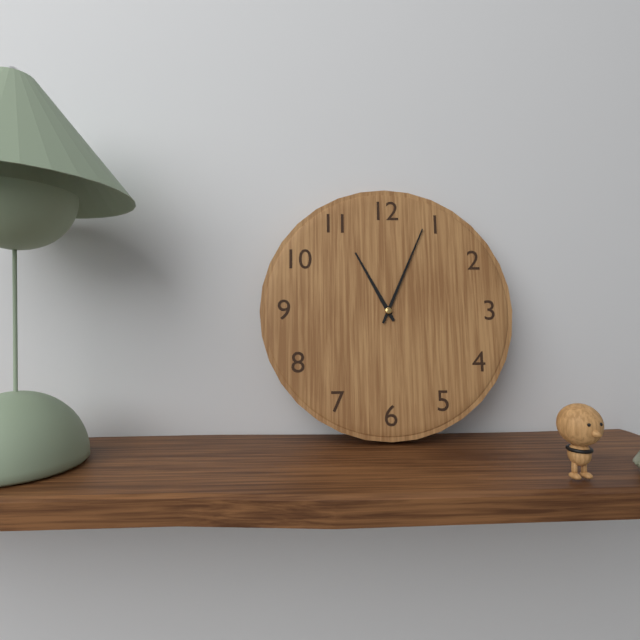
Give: 11:04
